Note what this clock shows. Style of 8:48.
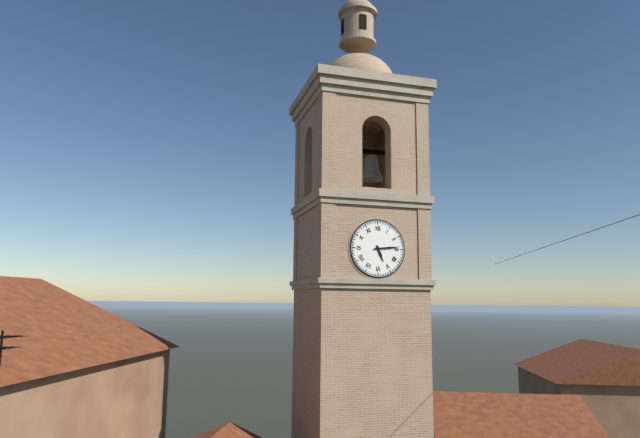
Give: 5:14
